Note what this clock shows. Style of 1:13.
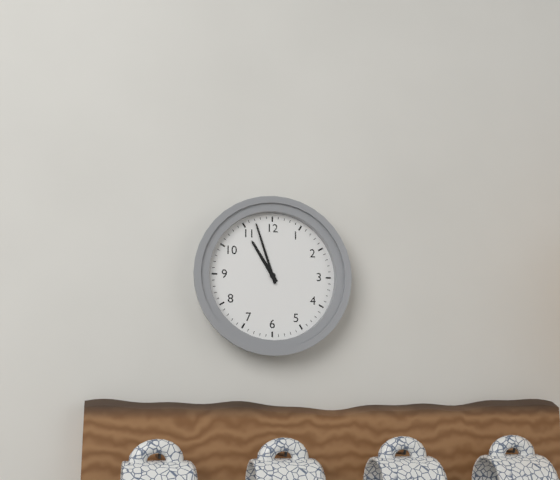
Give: 10:57
